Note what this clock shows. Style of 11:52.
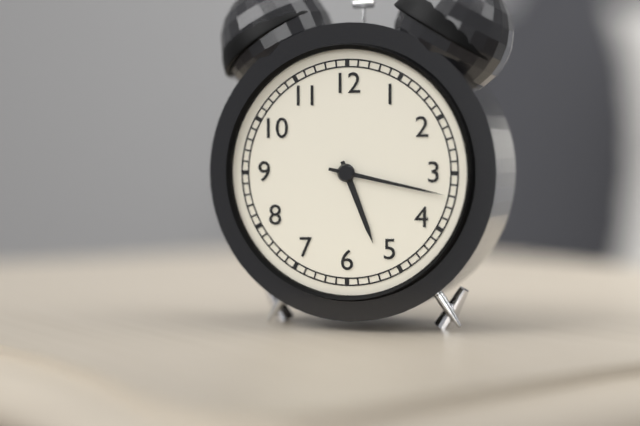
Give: 5:17
